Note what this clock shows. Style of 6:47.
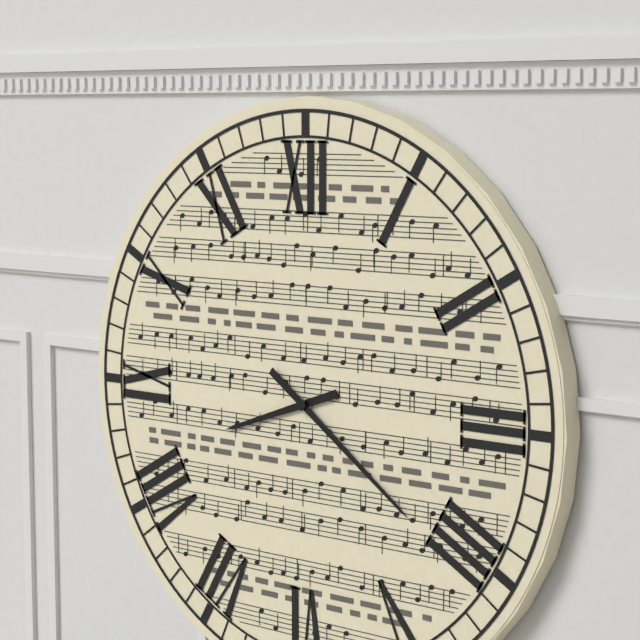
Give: 8:21
